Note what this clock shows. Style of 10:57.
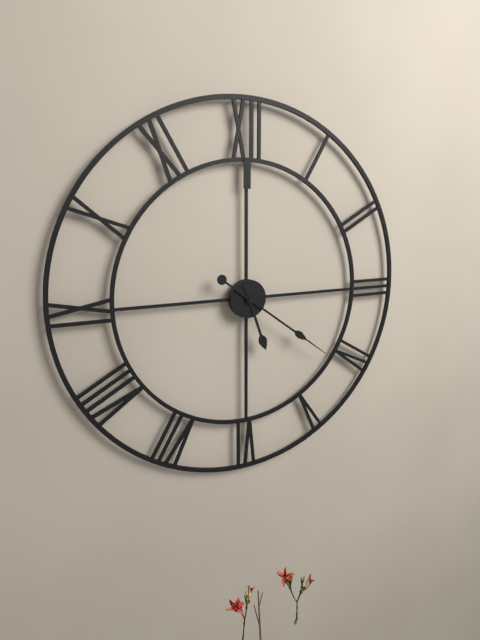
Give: 5:21
